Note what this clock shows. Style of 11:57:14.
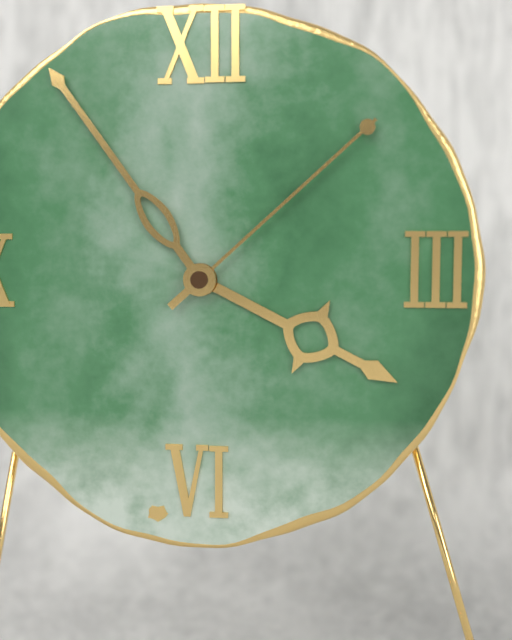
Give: 3:54:08
